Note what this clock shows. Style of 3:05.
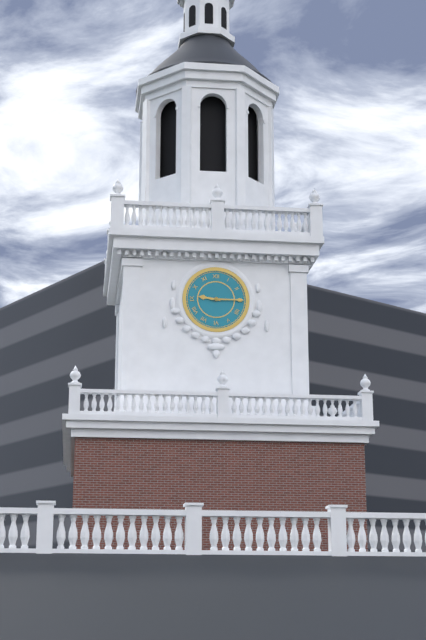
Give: 9:15
